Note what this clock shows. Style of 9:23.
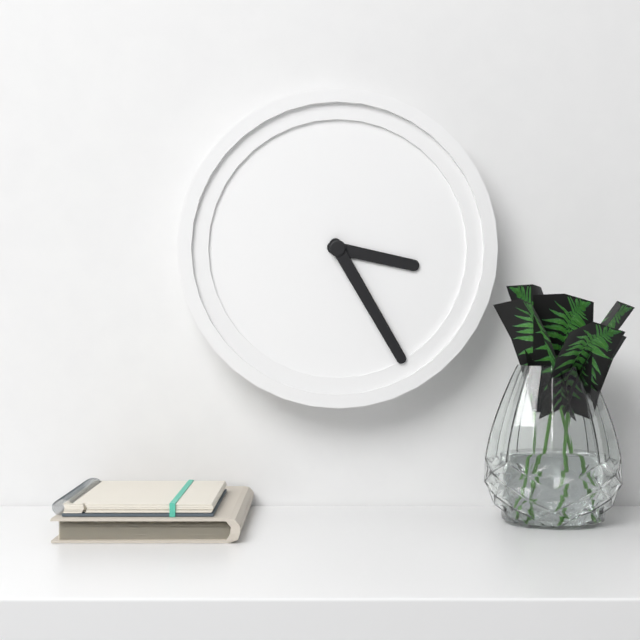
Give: 3:25
